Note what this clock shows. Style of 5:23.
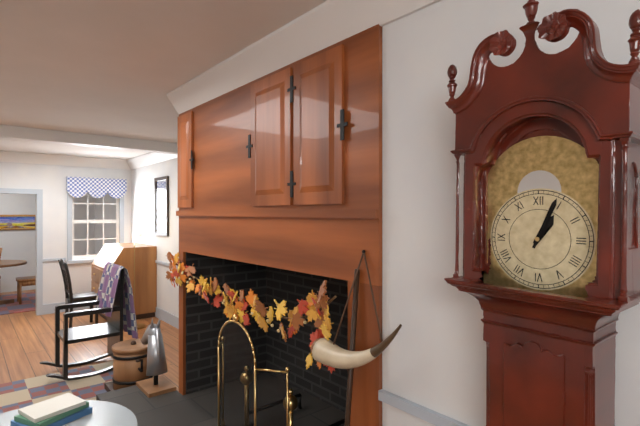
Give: 1:04
